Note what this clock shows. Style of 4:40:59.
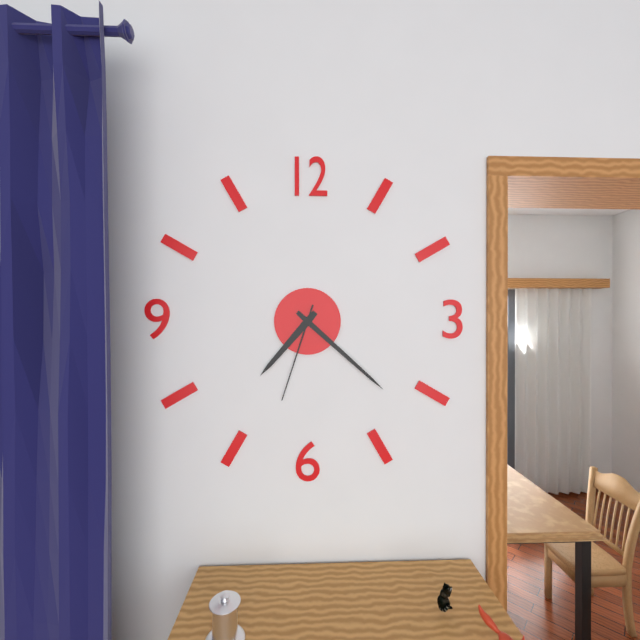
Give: 7:22:33
